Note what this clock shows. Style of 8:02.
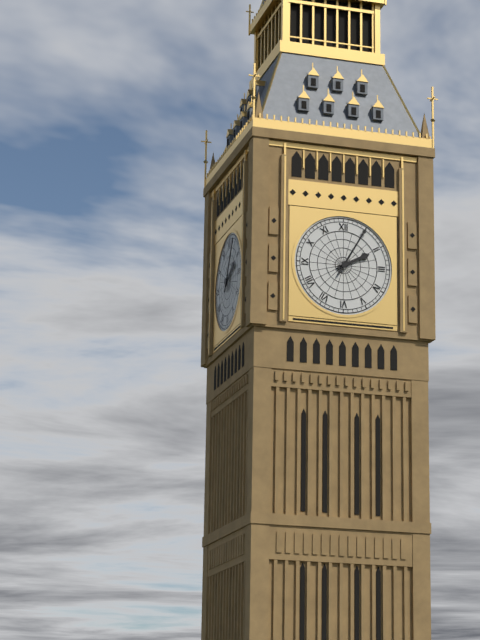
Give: 2:05
